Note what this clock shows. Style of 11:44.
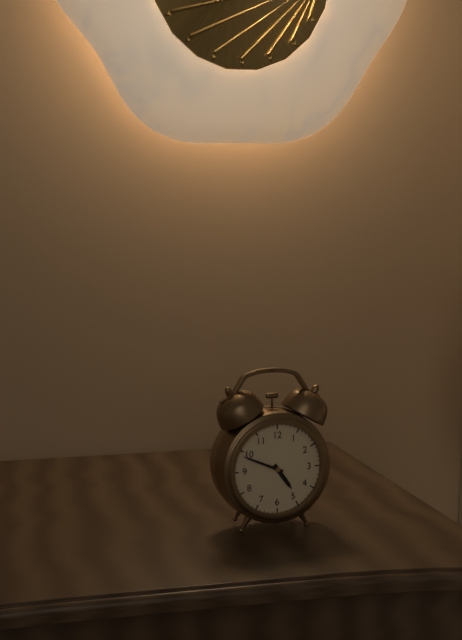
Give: 4:49
